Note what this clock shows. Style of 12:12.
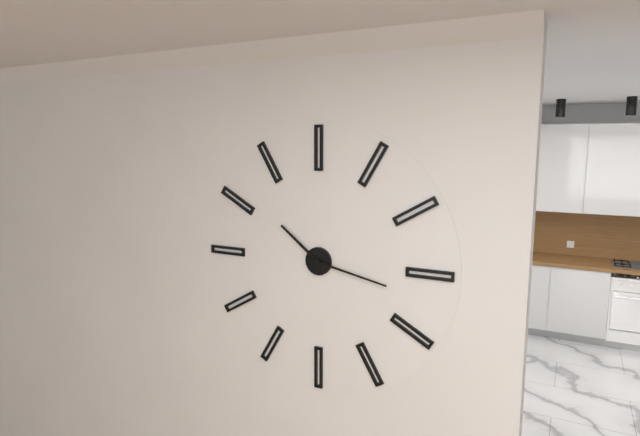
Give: 10:17
